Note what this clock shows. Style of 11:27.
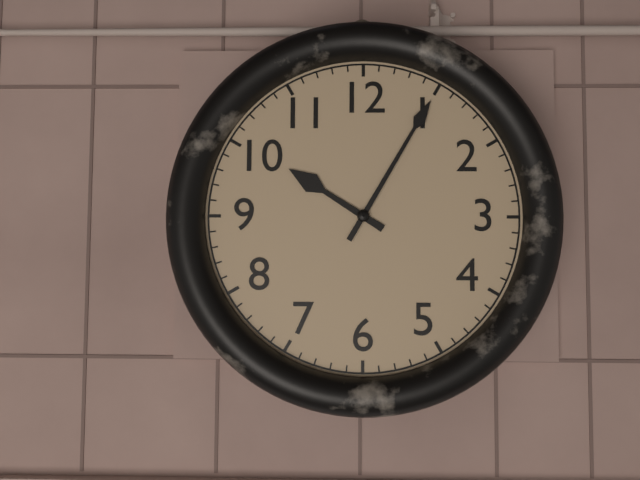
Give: 10:05
